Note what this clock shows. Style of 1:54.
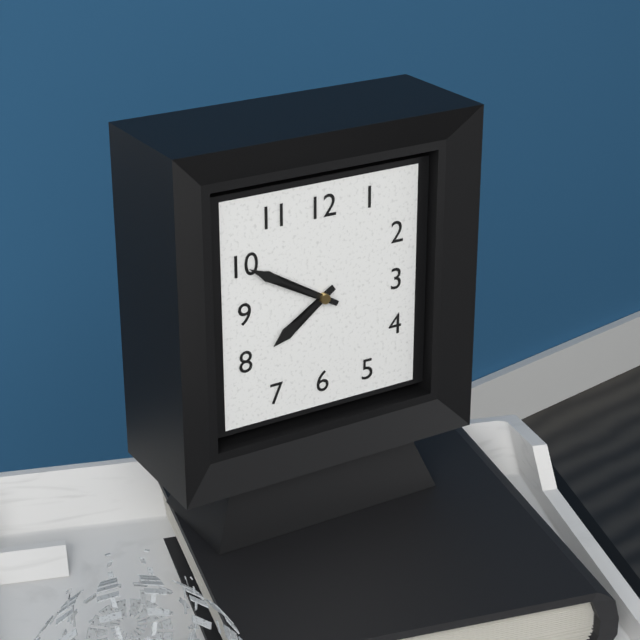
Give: 7:50
